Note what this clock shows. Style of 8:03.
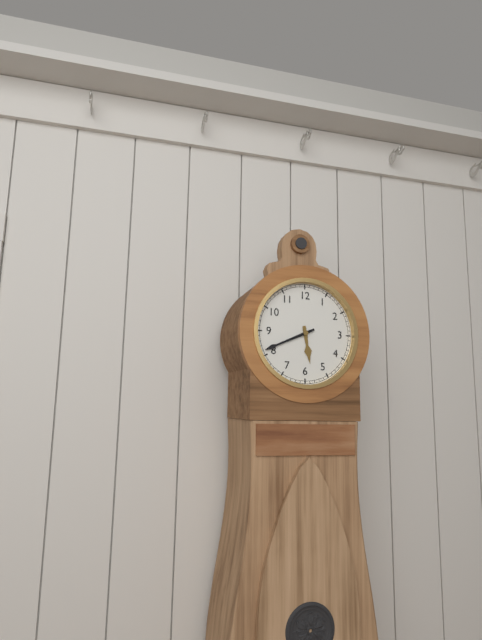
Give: 5:41
